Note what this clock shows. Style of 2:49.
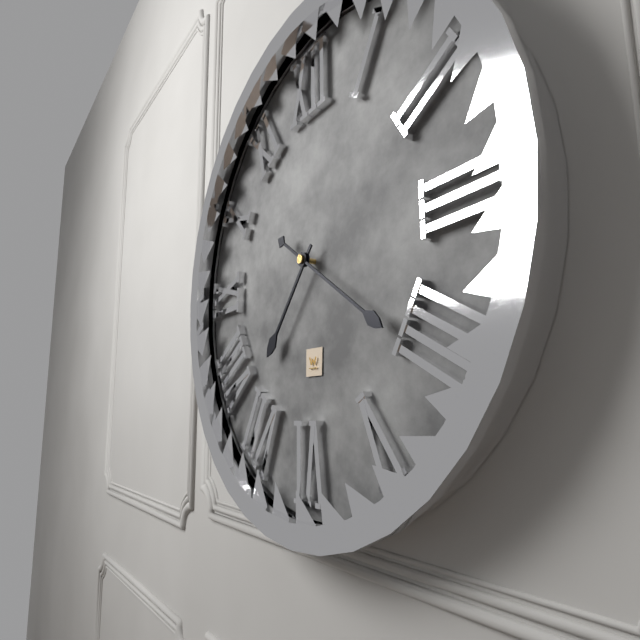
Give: 7:21
